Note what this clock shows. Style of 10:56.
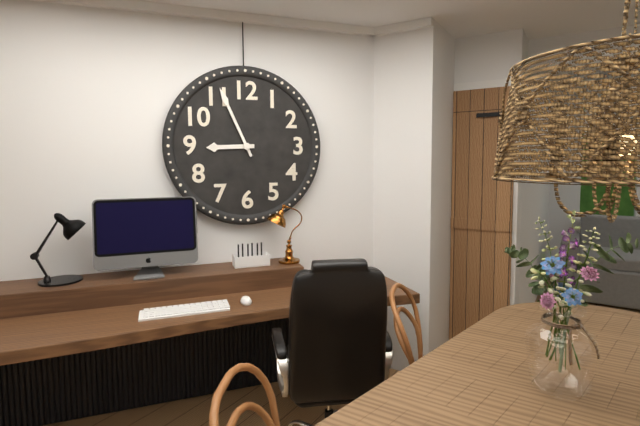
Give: 8:56
